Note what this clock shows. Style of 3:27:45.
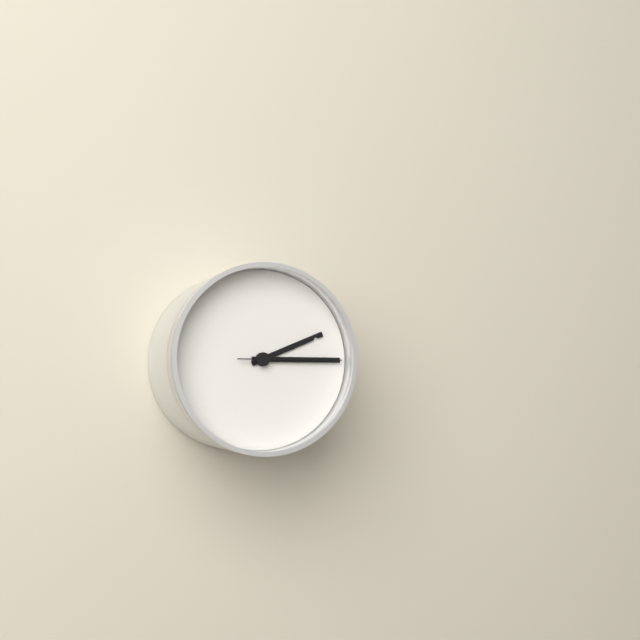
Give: 2:15:15
